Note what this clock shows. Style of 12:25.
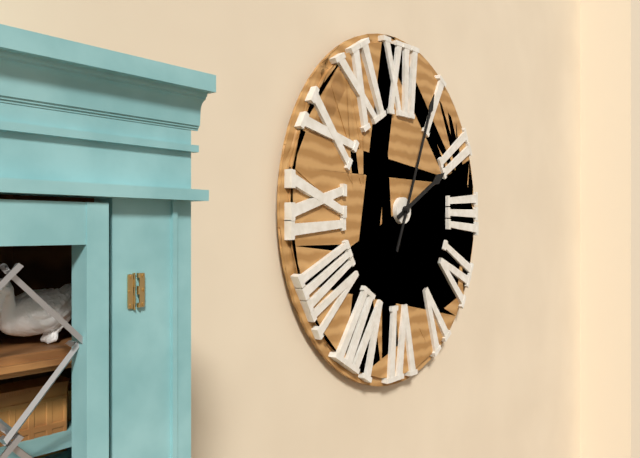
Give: 2:04
